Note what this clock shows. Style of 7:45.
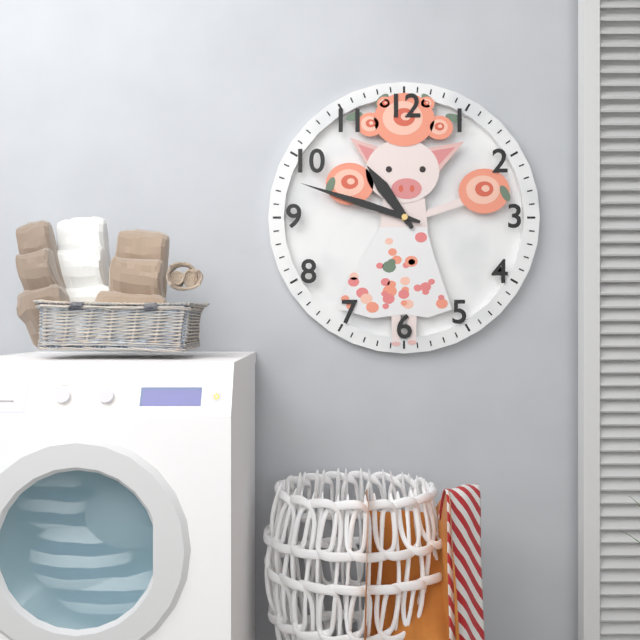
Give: 10:48
